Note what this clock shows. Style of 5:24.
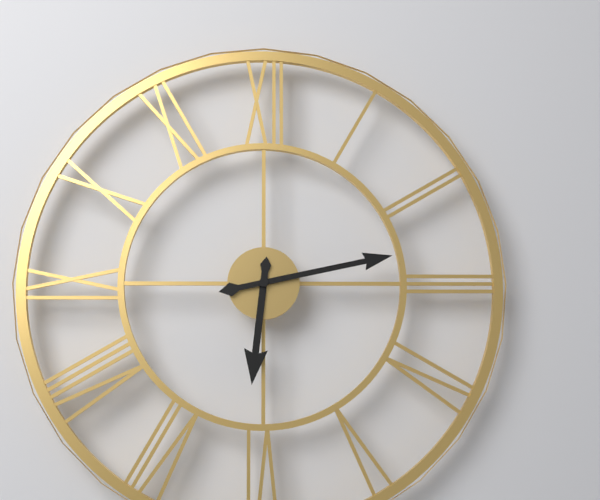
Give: 6:13
